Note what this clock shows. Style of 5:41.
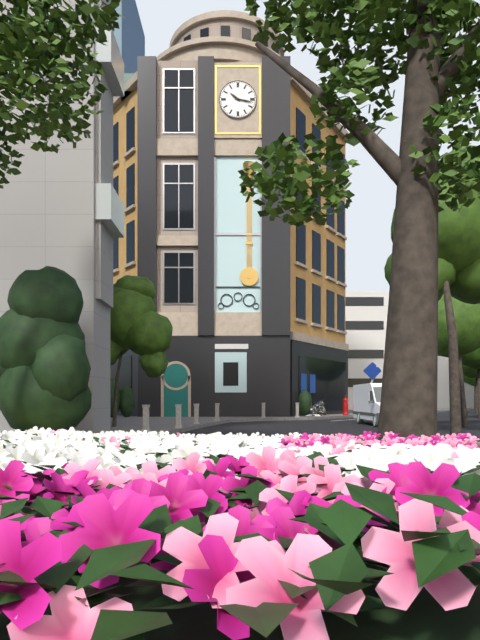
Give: 10:17
